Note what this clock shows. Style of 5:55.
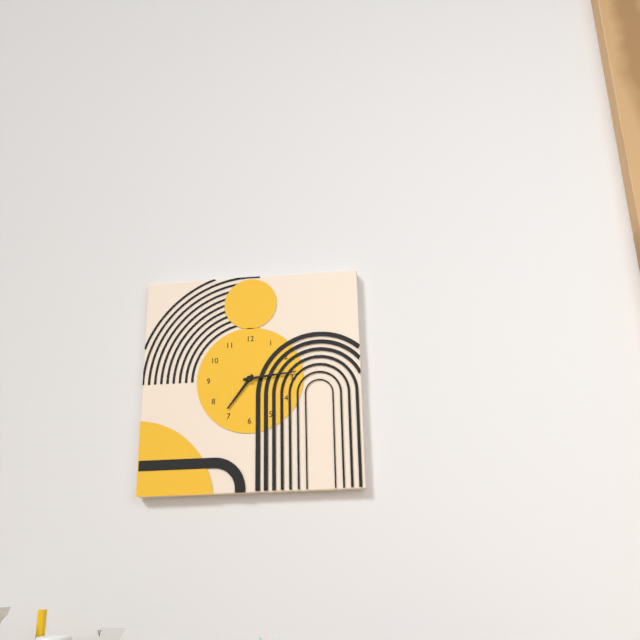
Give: 7:14
